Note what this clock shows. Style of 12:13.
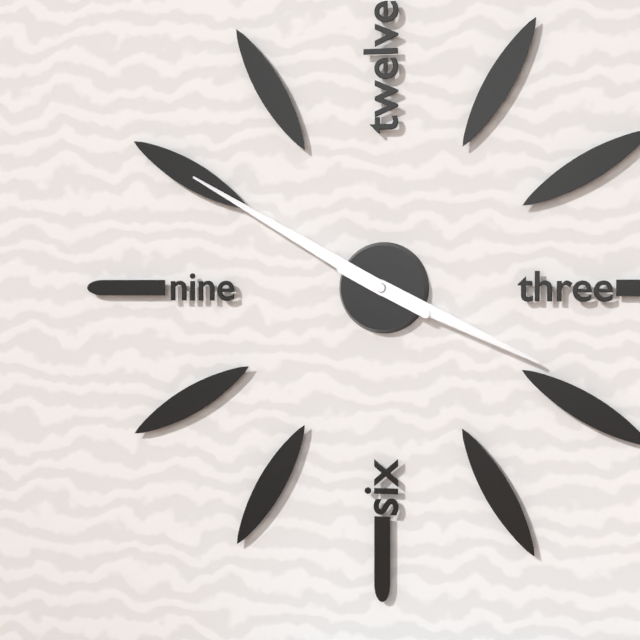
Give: 3:50
